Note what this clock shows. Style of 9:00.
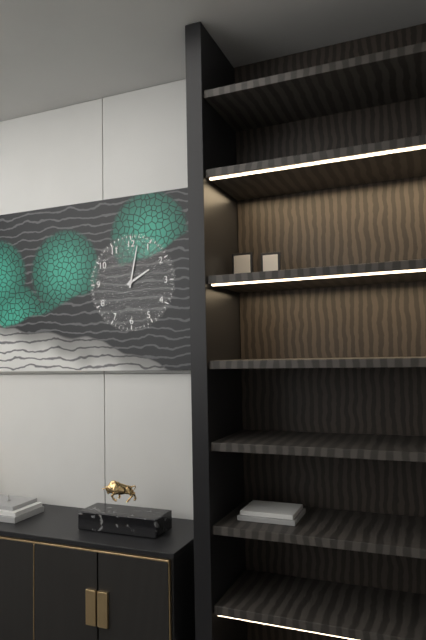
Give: 2:02
